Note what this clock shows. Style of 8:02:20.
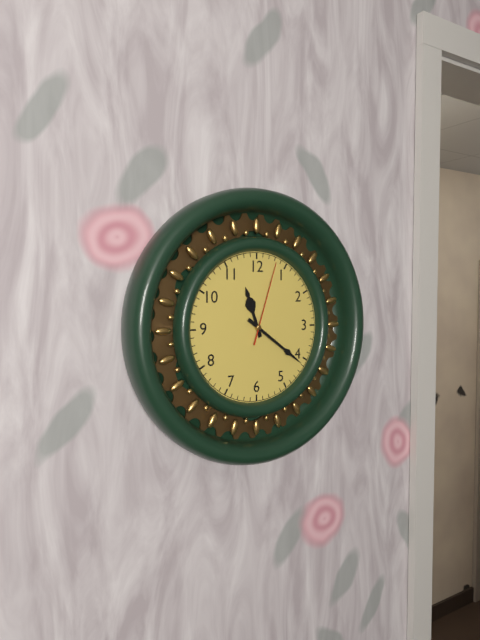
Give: 11:21:03
